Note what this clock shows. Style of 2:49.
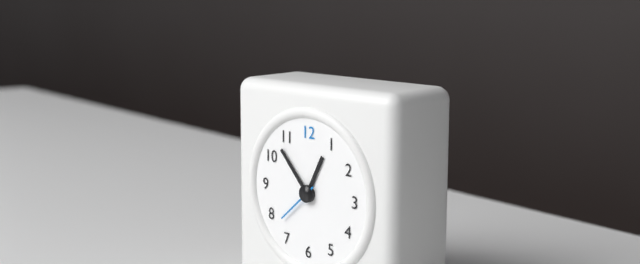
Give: 12:53
